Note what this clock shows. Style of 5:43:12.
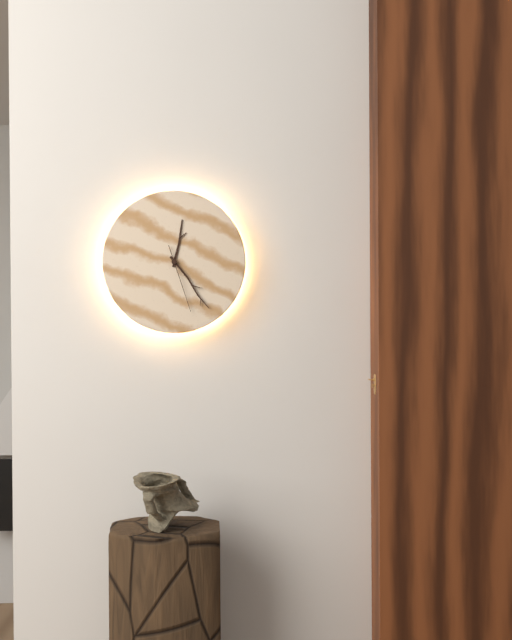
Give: 12:24:27
